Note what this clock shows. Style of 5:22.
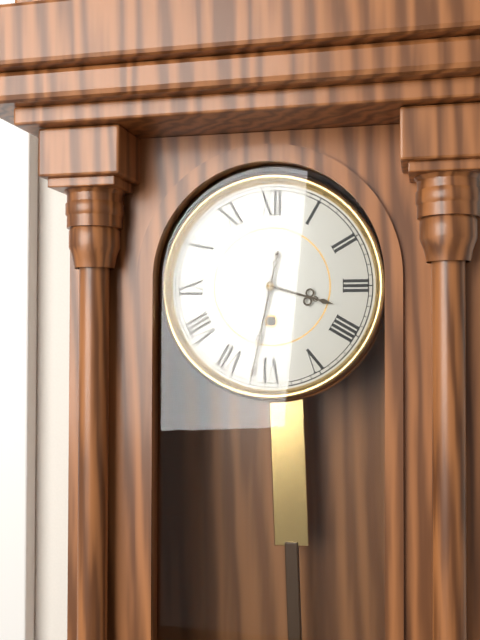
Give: 3:32
